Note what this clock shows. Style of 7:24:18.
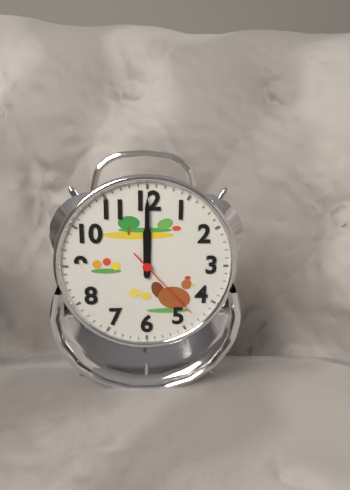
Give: 12:00:23
